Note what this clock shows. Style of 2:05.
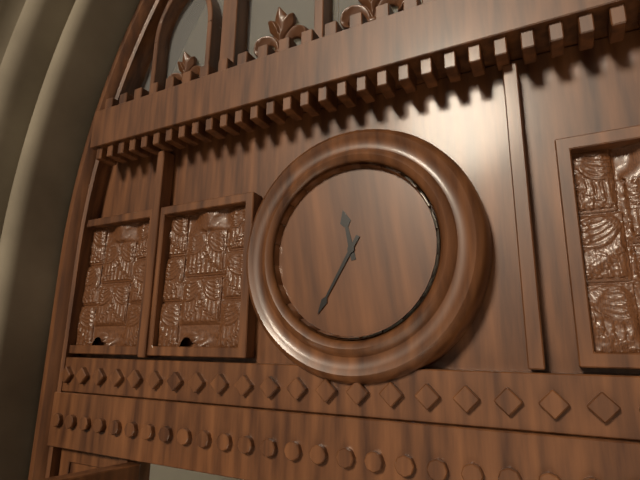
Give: 11:35
